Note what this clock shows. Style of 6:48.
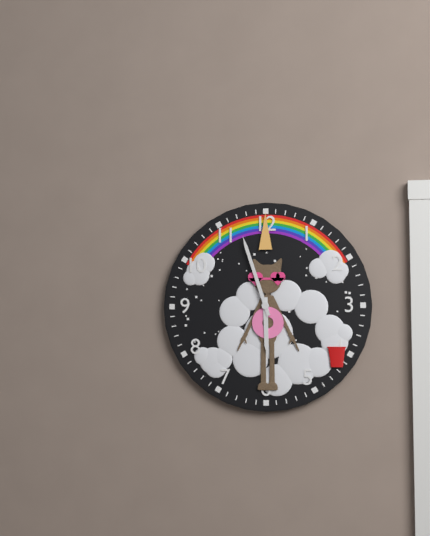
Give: 5:57
